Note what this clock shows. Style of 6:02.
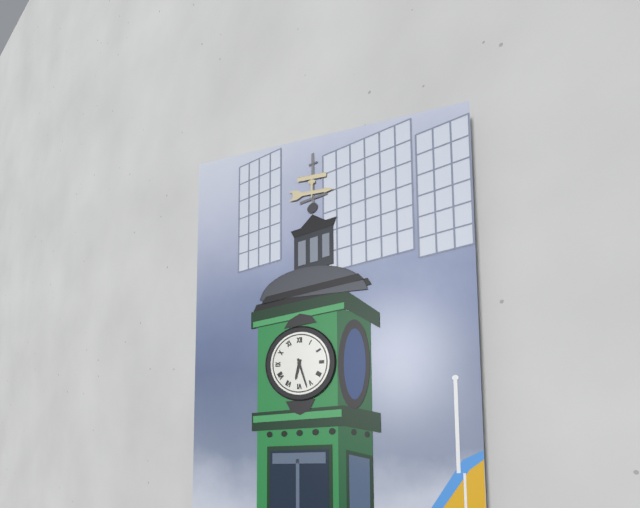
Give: 6:27
